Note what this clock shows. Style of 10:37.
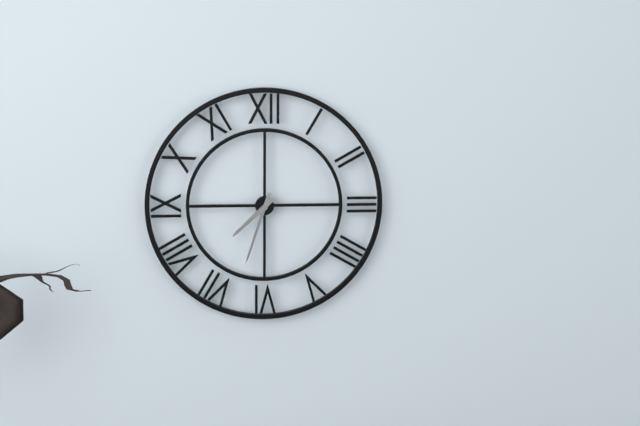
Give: 7:33
